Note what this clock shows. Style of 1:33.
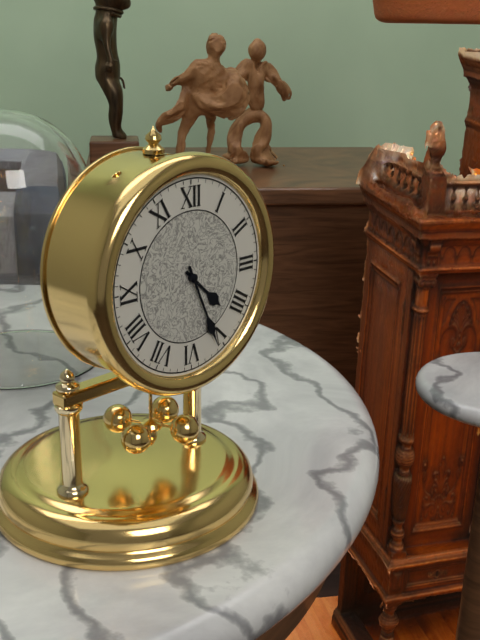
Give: 4:26
